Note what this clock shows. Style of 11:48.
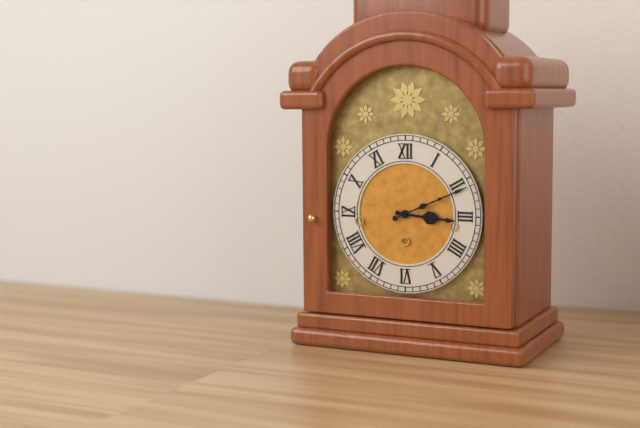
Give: 3:11
